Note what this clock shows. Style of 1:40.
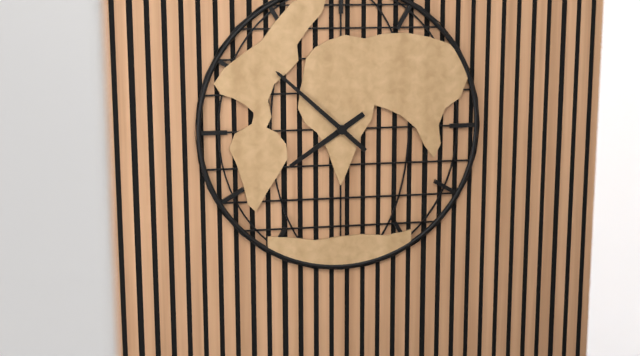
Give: 7:52
